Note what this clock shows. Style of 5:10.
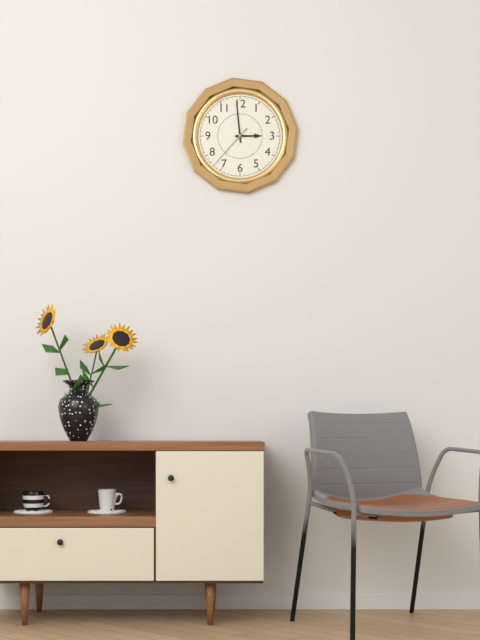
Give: 2:59
